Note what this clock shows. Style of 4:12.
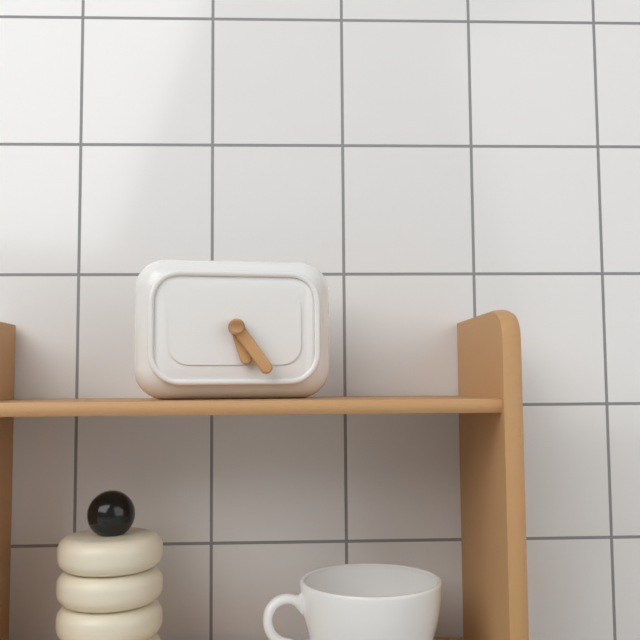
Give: 5:24
